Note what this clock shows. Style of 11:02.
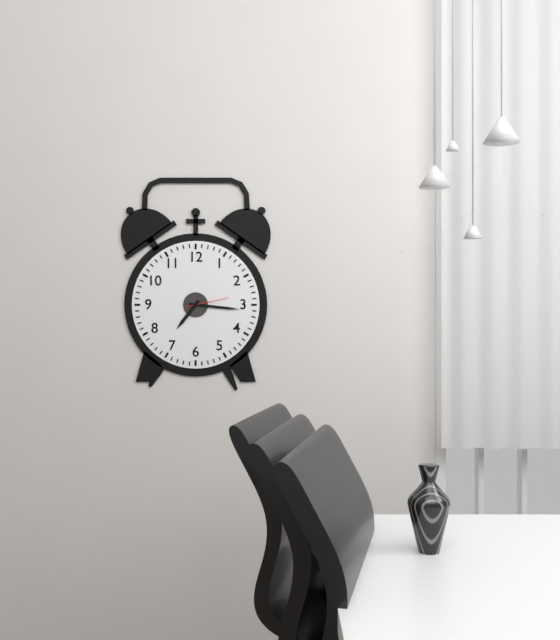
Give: 7:16
